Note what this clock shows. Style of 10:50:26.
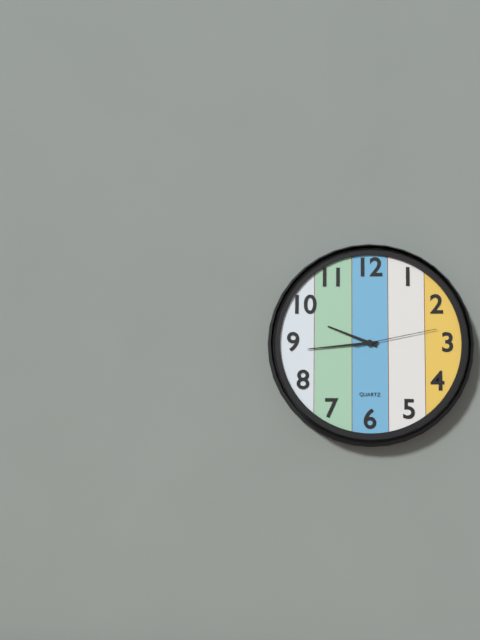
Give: 9:44:13
